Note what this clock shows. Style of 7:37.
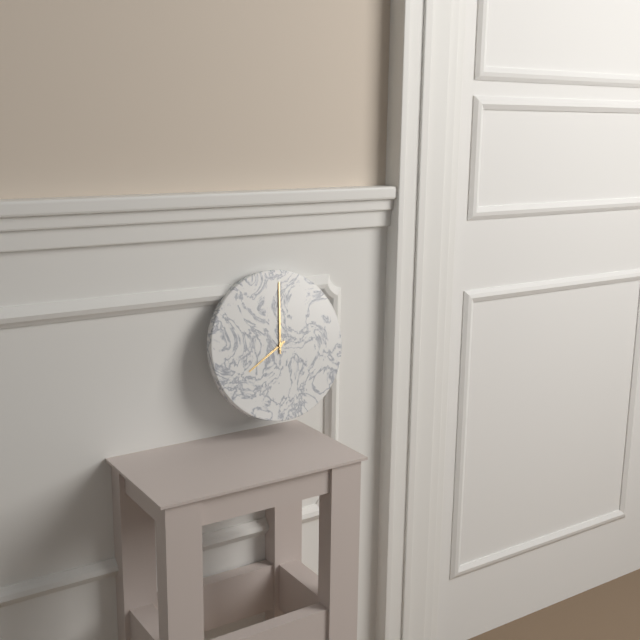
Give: 8:01
